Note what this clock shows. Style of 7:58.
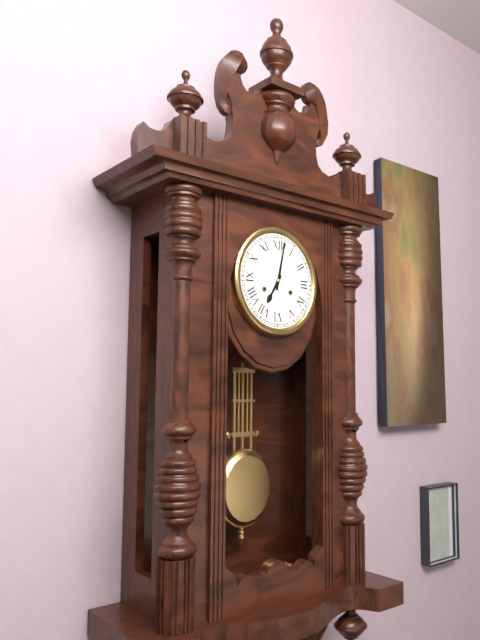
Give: 7:02
